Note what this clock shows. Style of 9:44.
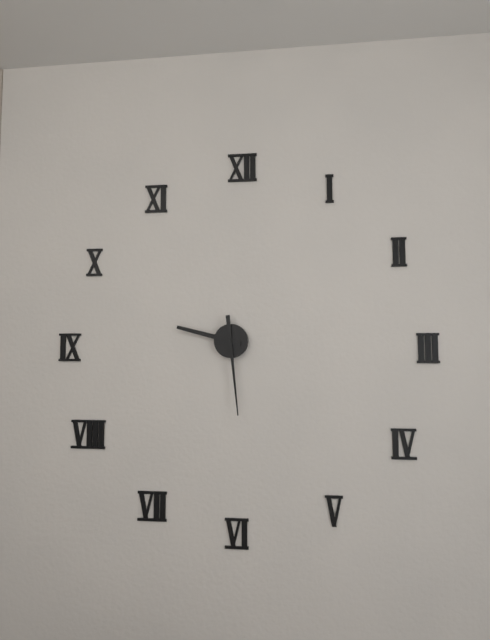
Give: 9:29
